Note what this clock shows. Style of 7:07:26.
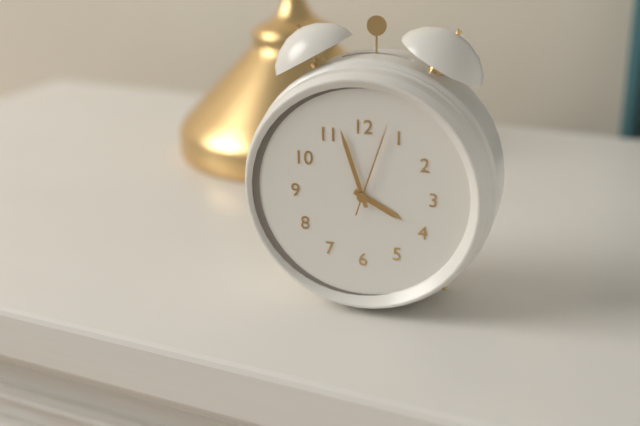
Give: 3:57:03
